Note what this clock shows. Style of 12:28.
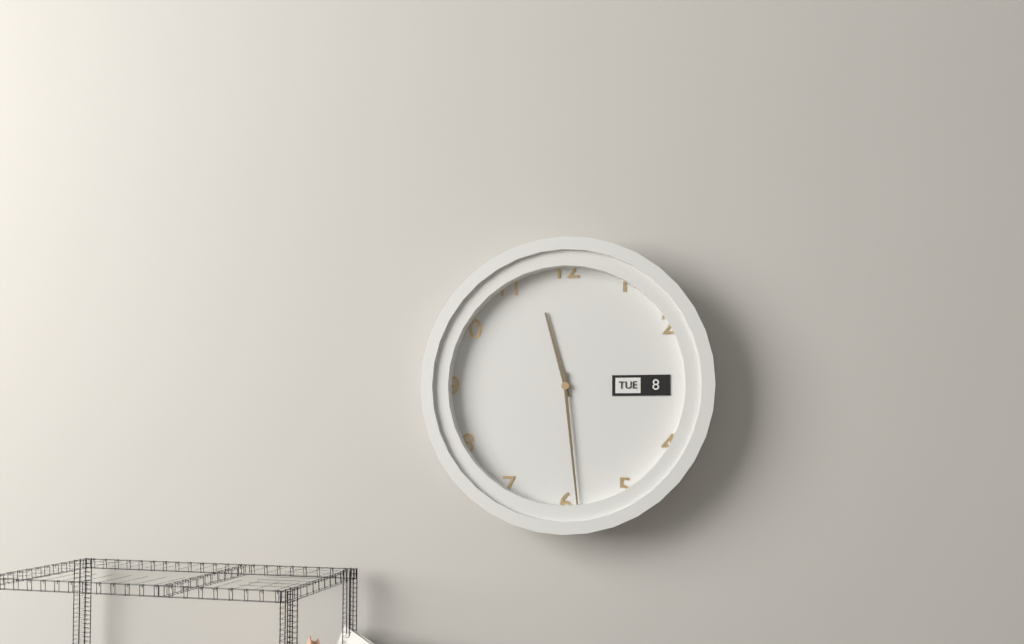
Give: 11:29
